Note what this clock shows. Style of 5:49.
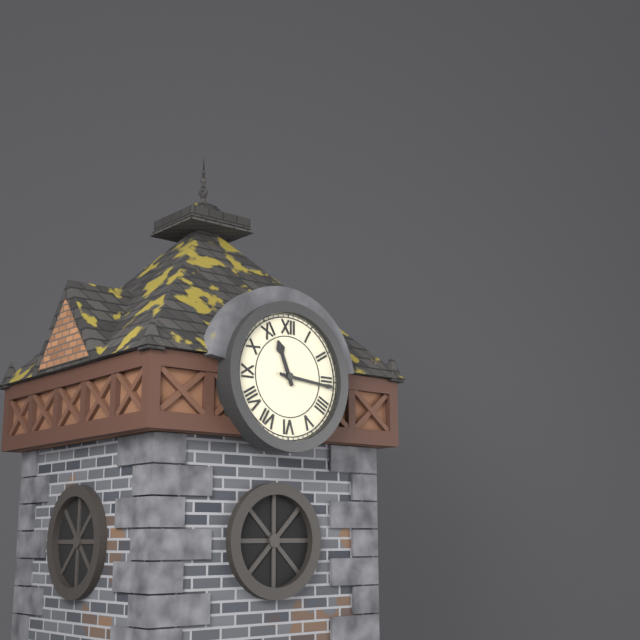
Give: 11:16
